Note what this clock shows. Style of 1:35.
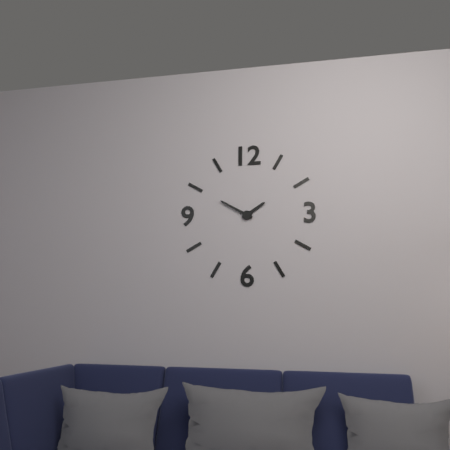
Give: 1:50
